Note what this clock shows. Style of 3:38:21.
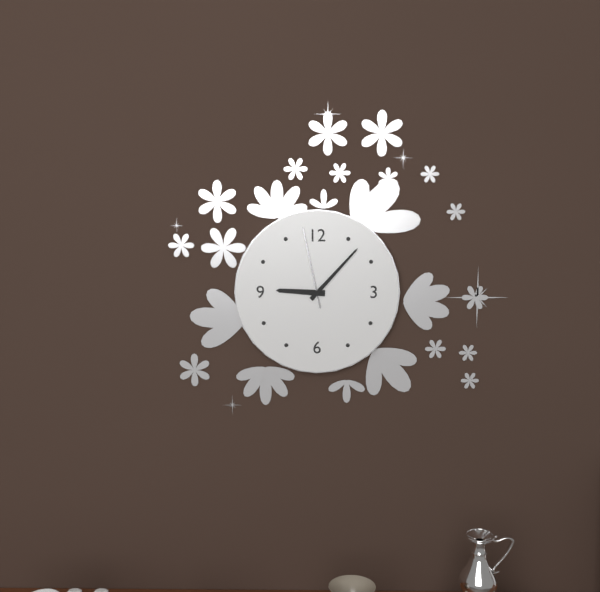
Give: 9:07:58
